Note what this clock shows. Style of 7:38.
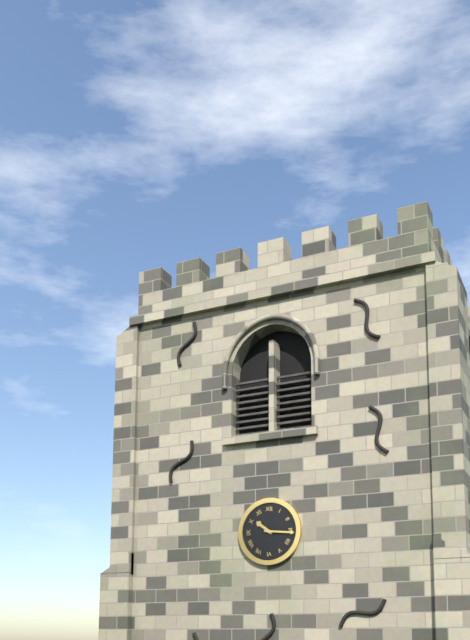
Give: 10:16
